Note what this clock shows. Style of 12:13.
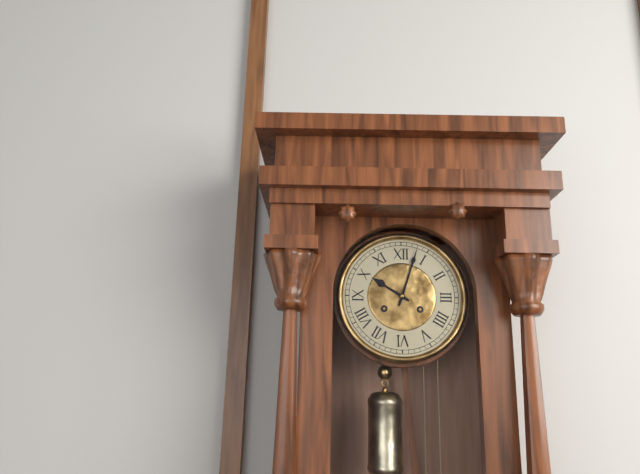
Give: 10:03
